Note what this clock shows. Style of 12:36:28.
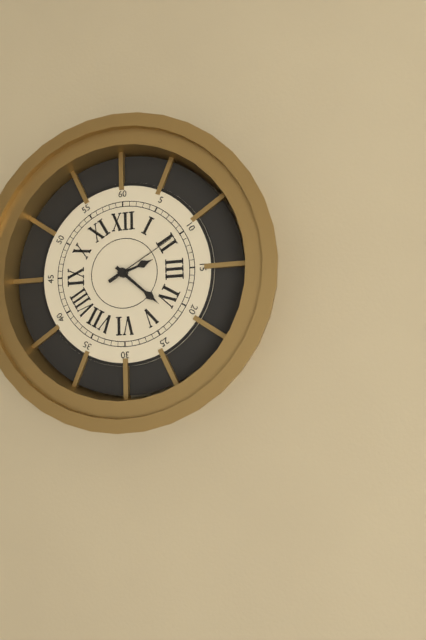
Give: 2:22:10
